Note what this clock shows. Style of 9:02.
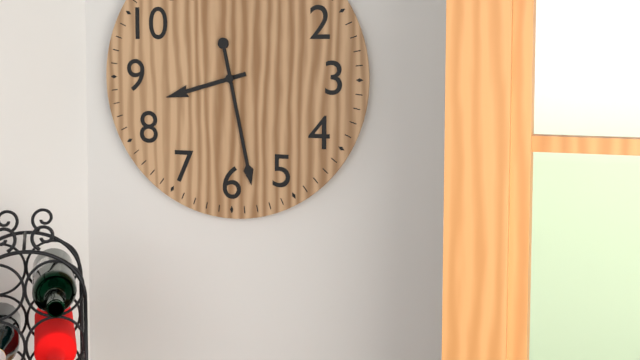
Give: 8:28
